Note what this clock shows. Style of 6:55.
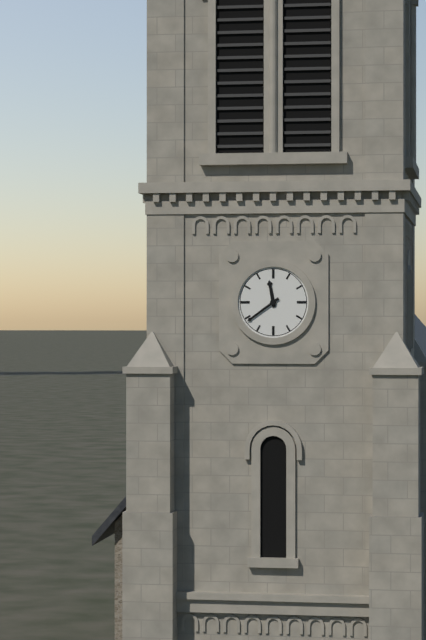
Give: 11:39
